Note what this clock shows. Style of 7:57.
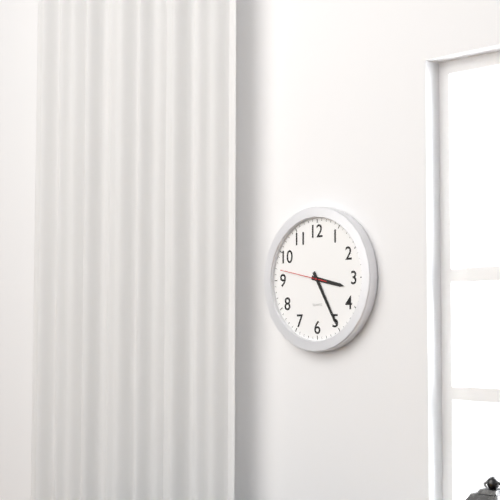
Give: 3:25
